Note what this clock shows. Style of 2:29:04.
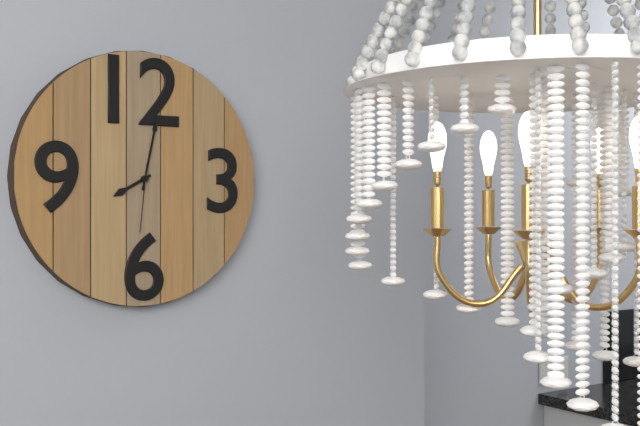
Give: 8:02:31
